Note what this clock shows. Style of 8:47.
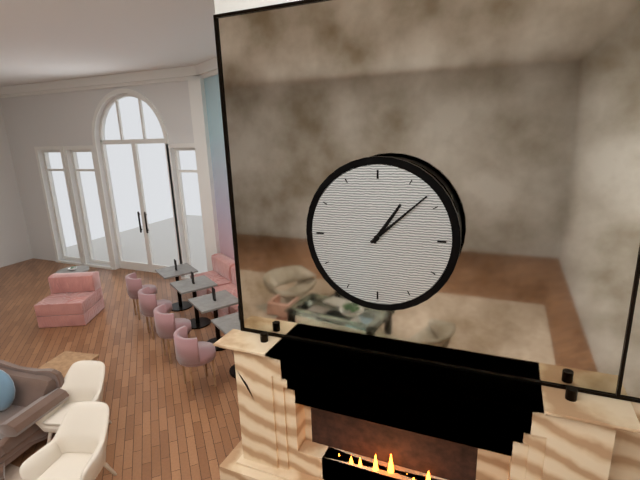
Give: 1:08
